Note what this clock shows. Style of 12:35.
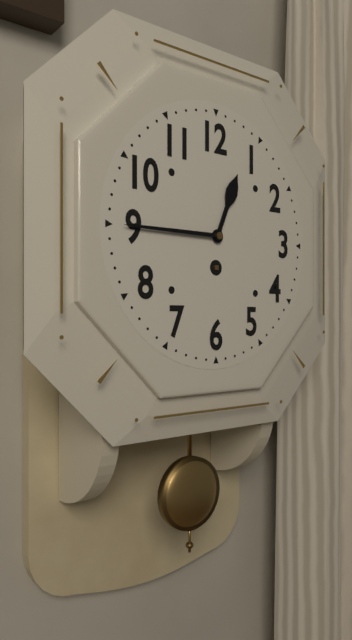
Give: 12:45
